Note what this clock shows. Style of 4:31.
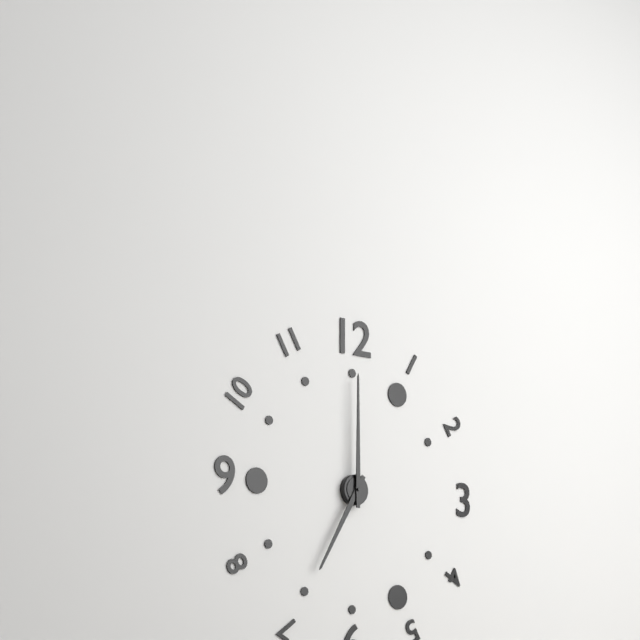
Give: 7:00
